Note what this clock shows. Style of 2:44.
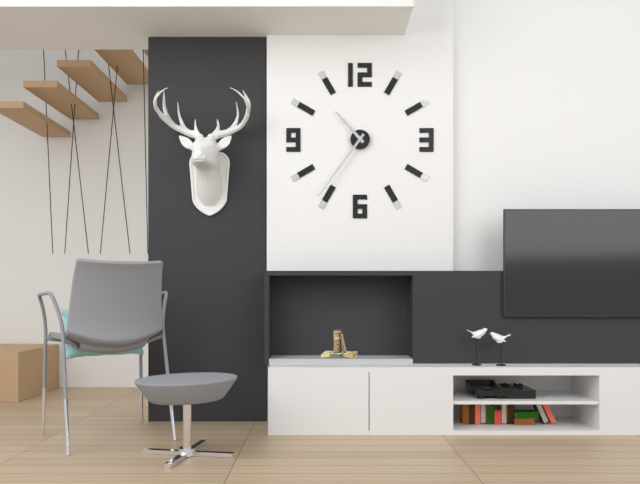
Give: 10:36
